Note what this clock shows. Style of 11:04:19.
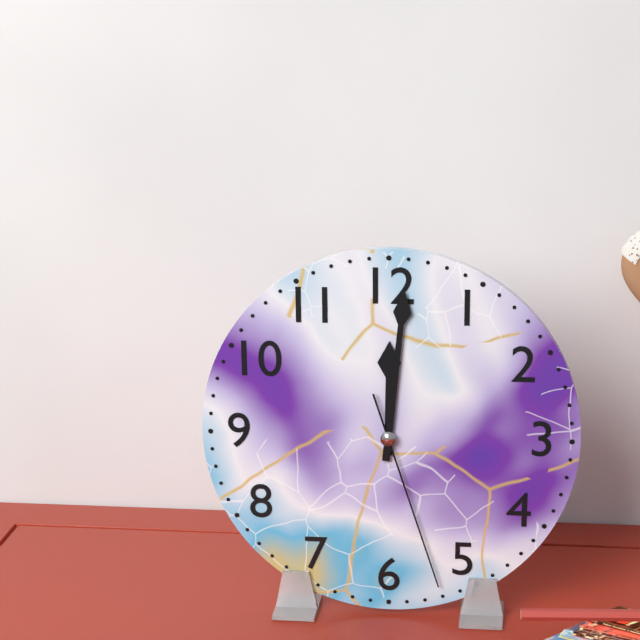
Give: 12:01:27
